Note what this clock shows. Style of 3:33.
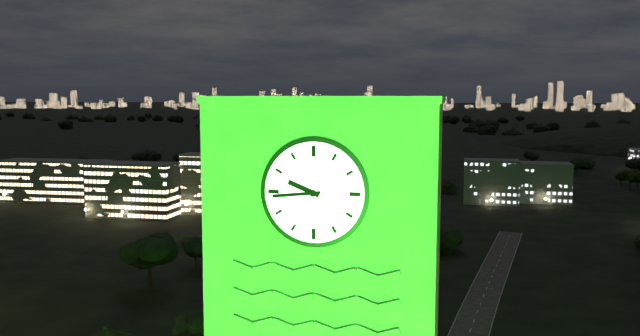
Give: 9:44
